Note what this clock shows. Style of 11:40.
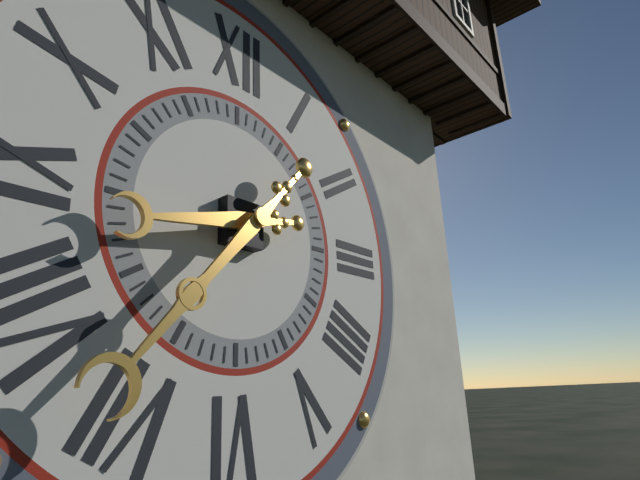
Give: 8:37
